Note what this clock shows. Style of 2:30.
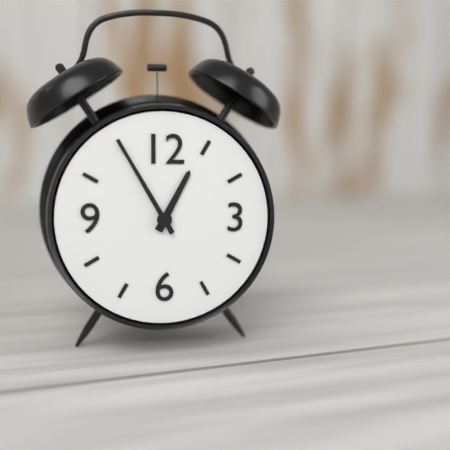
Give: 12:55
